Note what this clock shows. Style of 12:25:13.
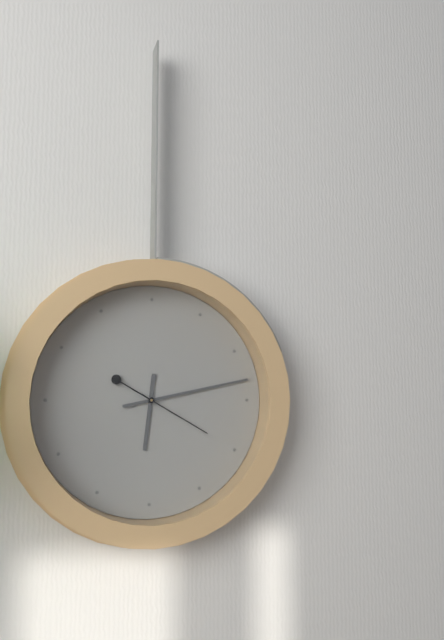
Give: 6:13:20
